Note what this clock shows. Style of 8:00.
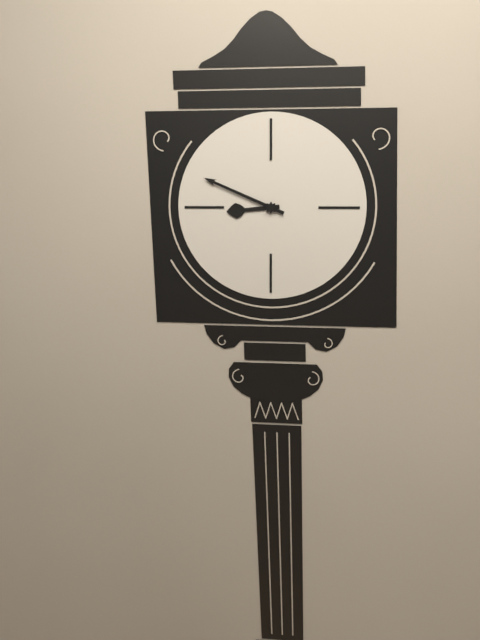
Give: 8:49
